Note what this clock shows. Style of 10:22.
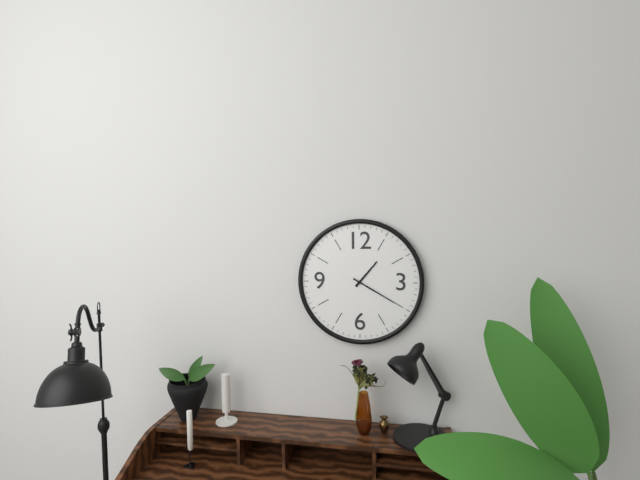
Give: 1:20
